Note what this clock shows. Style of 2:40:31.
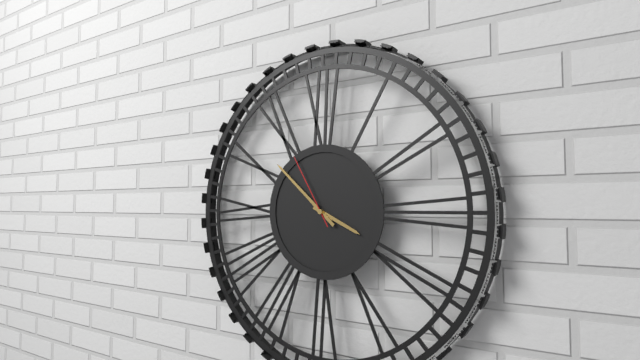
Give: 3:52:55
